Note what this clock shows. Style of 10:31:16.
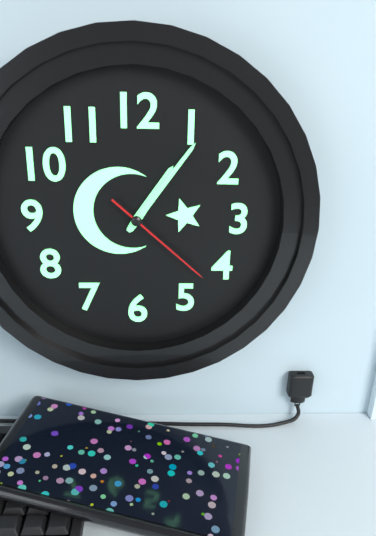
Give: 1:06:22
